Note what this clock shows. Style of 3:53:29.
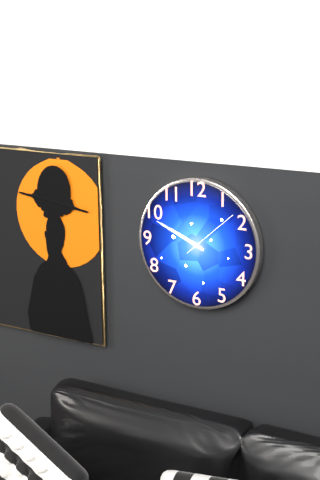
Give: 9:49:08
